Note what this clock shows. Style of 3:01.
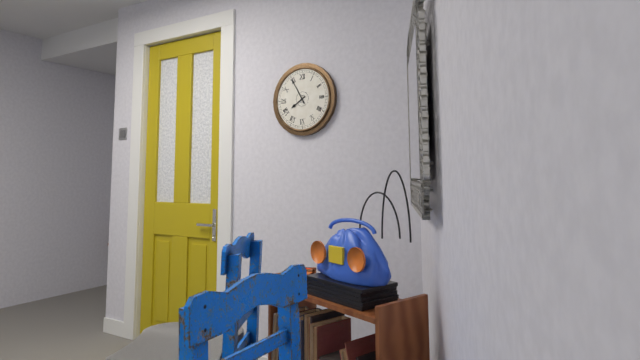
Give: 7:55
